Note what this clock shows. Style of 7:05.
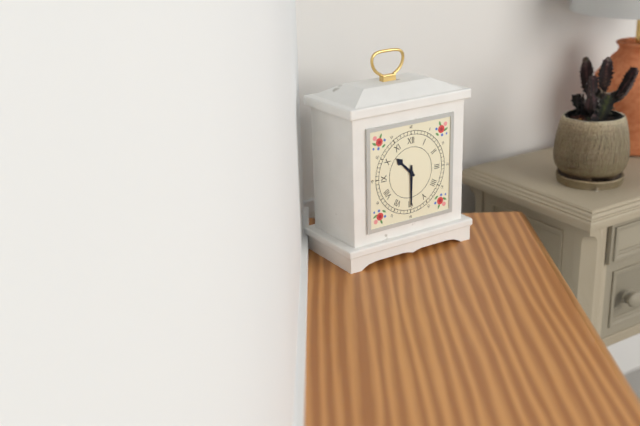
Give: 10:30
